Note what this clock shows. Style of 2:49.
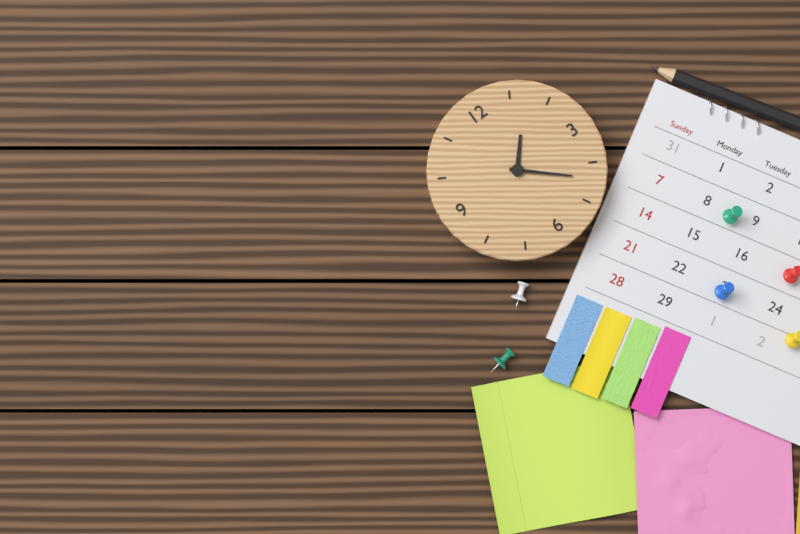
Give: 1:22
